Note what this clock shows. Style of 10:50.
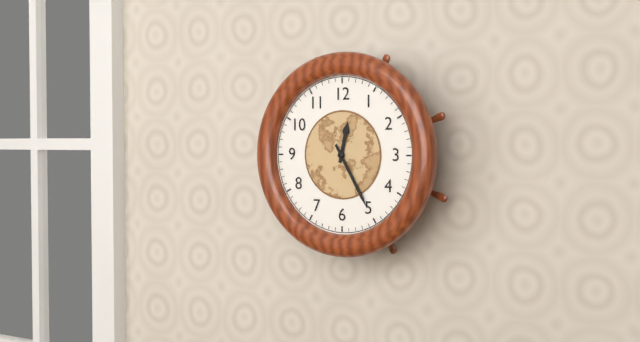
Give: 12:25
